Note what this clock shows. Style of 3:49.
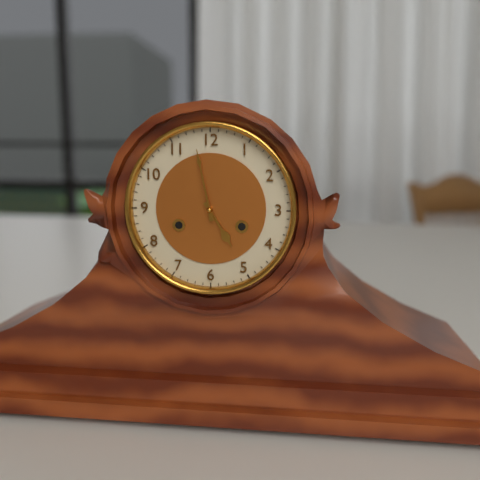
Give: 4:58
